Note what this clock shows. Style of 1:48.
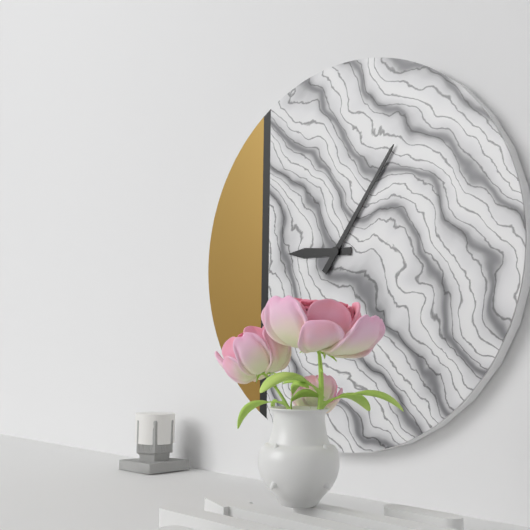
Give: 9:06
